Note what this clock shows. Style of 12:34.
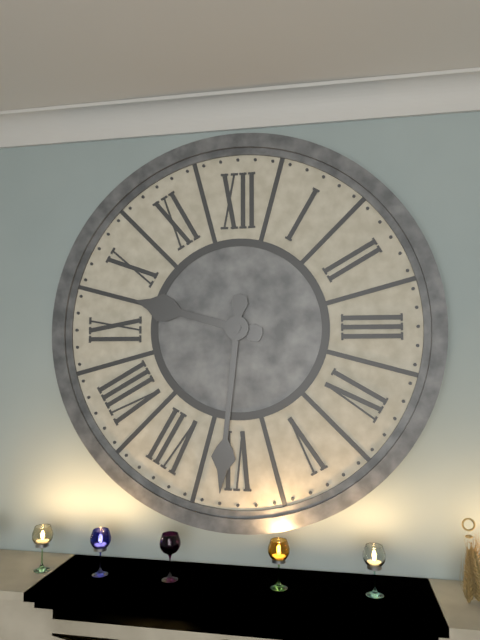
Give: 9:31
